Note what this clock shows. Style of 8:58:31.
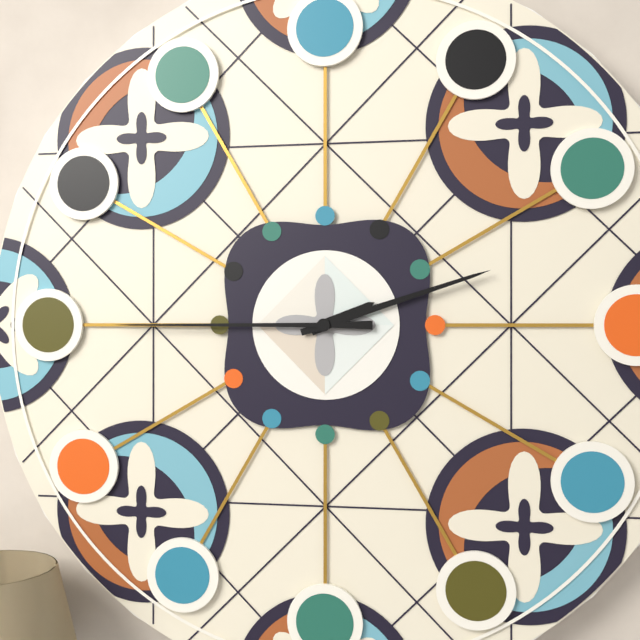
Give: 2:12:45
